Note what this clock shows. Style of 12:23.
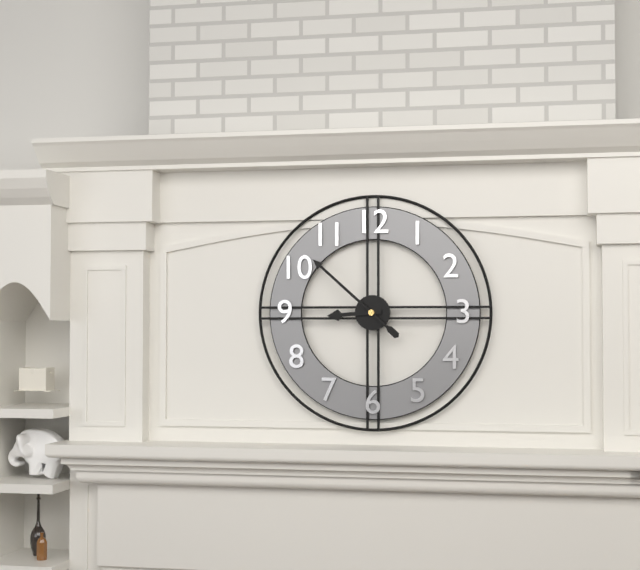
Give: 8:52
